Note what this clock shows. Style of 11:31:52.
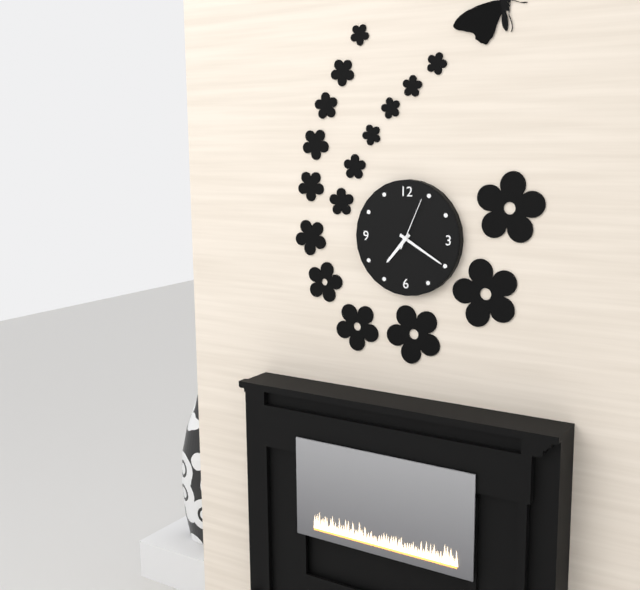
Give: 7:20:04
